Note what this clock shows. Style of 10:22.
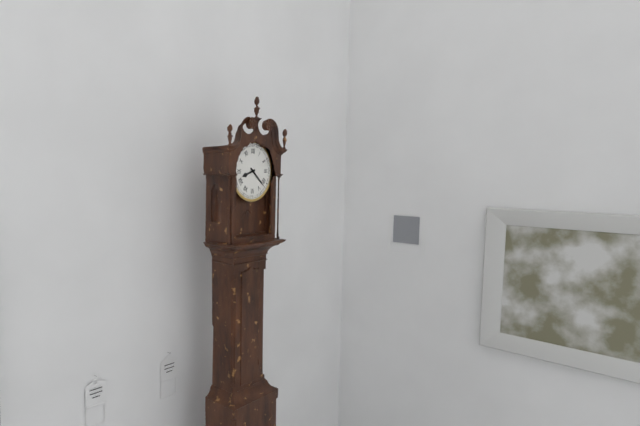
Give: 8:22
